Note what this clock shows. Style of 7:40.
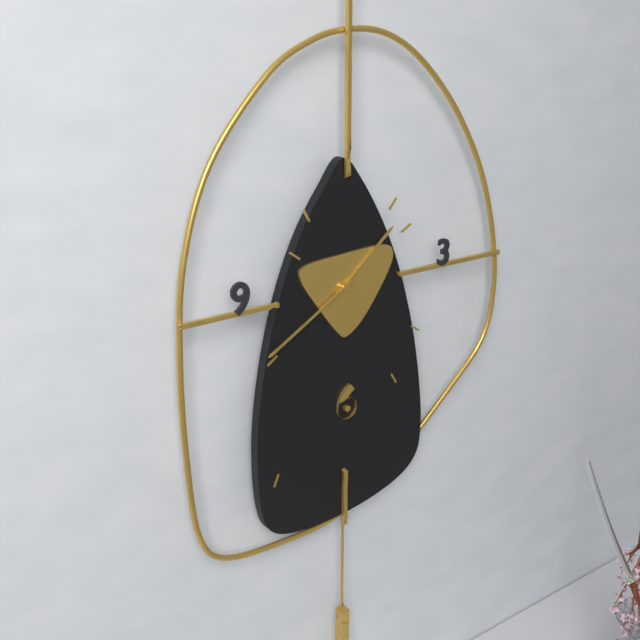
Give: 1:40
